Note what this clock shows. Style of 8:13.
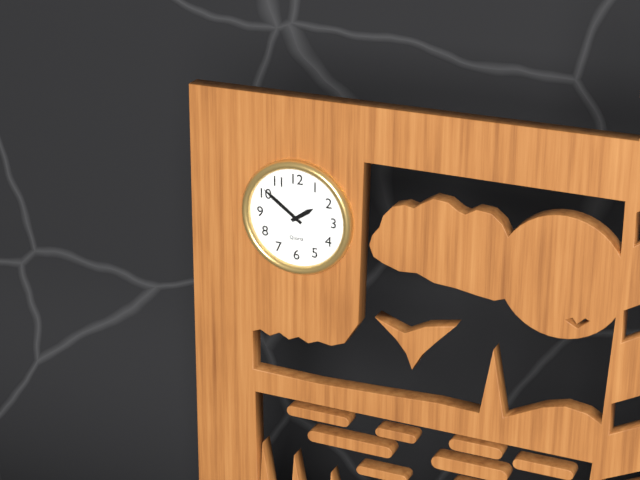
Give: 1:51
